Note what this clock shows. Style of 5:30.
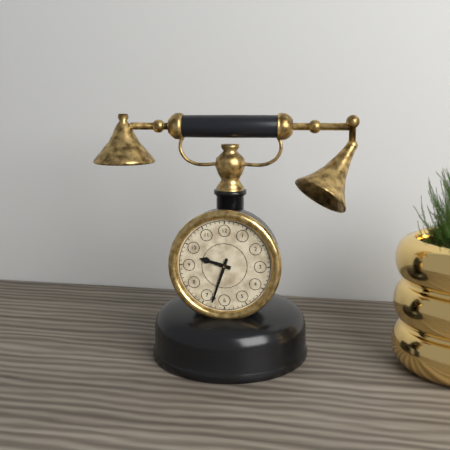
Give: 9:33
